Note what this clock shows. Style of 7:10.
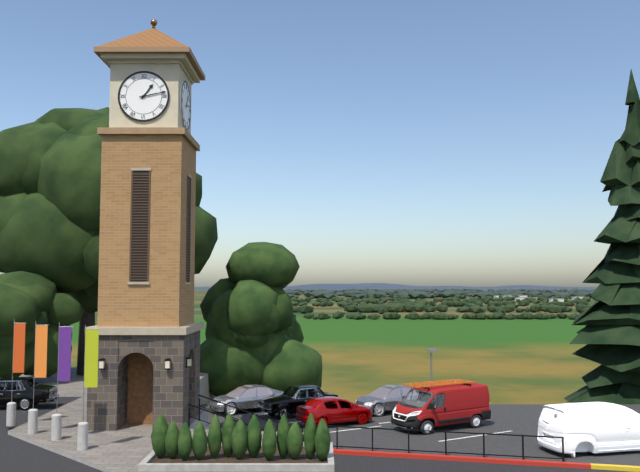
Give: 1:13
